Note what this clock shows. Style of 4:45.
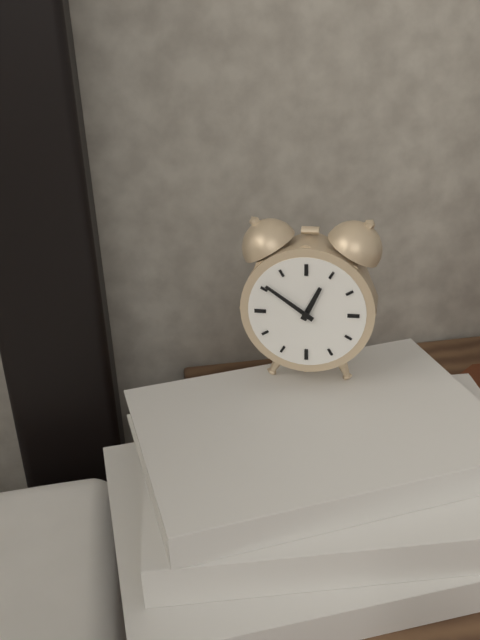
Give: 12:51
